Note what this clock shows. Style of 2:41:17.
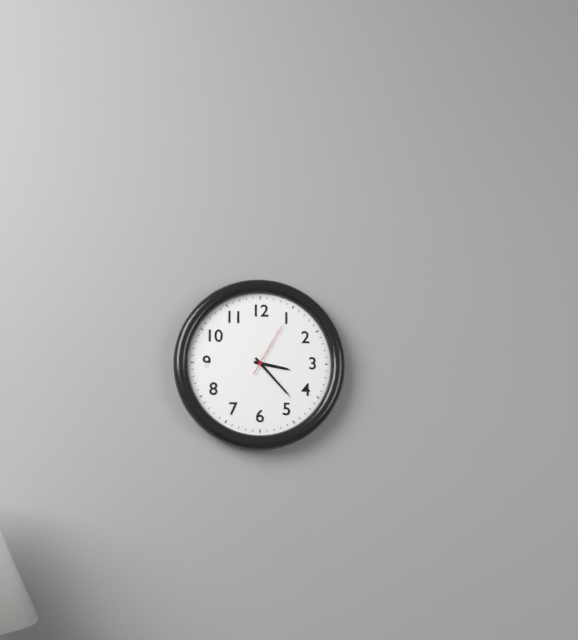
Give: 3:23:05
